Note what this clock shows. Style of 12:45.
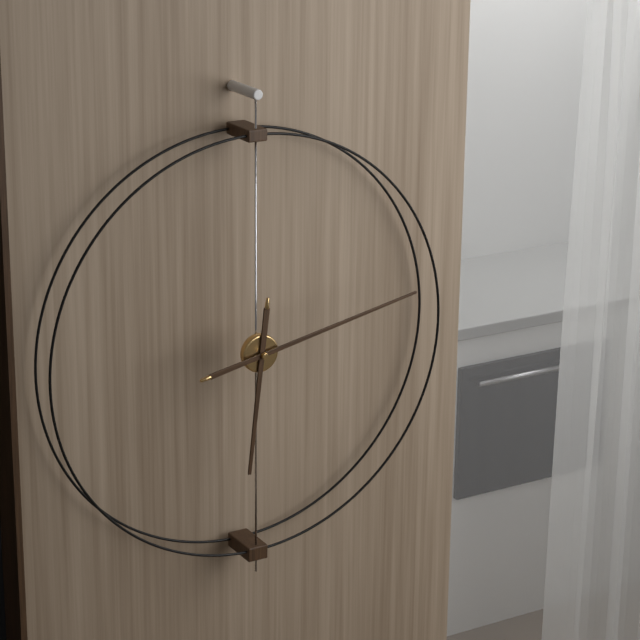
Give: 6:13
